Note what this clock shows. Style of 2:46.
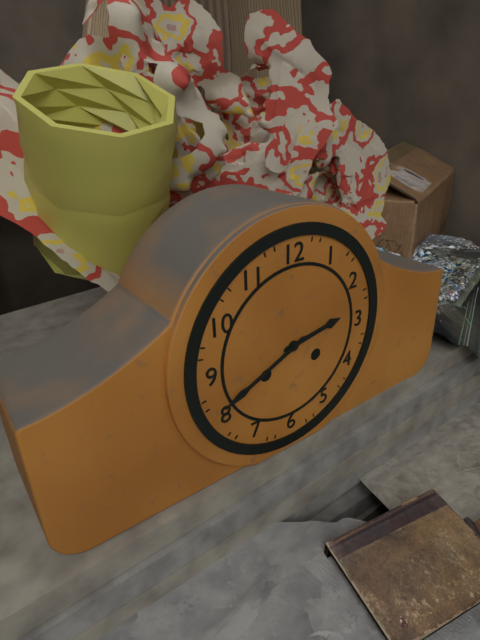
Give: 2:41
